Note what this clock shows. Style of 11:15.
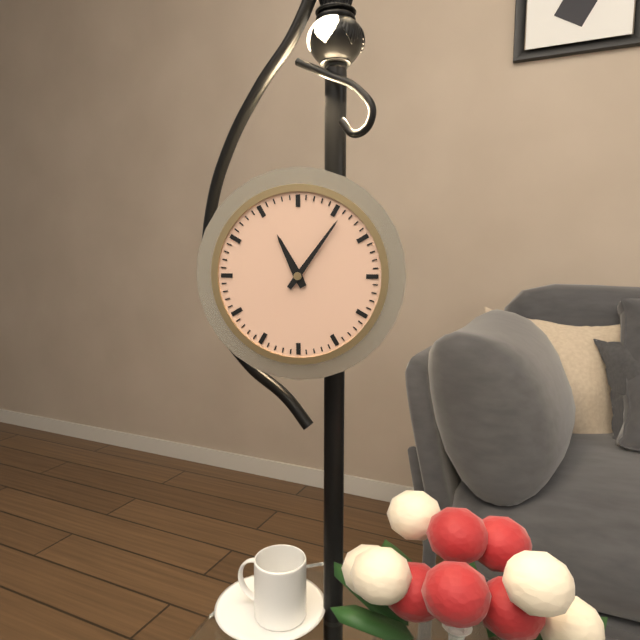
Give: 11:06
